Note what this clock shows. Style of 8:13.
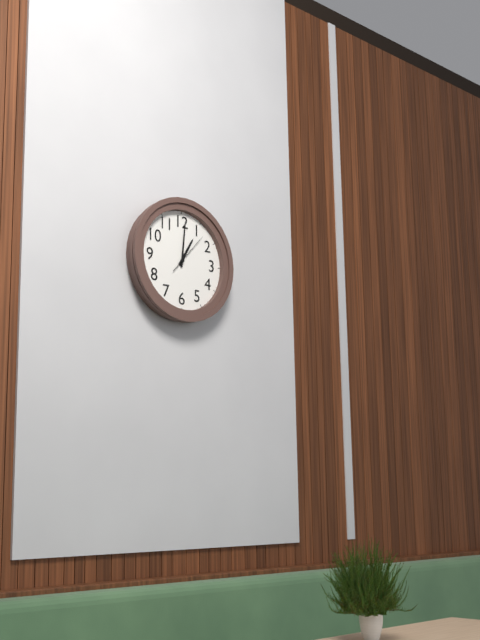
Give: 1:01
